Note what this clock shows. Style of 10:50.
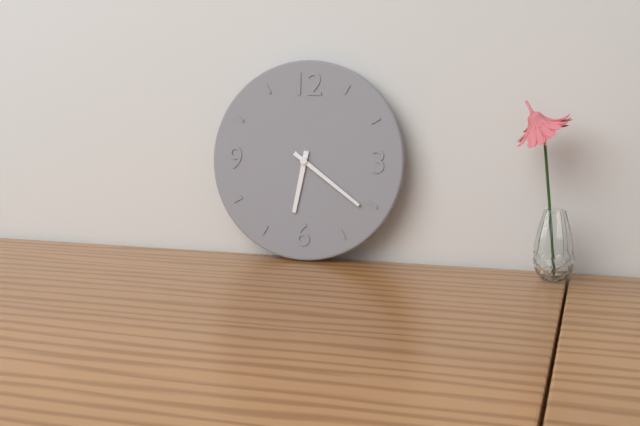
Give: 6:21
